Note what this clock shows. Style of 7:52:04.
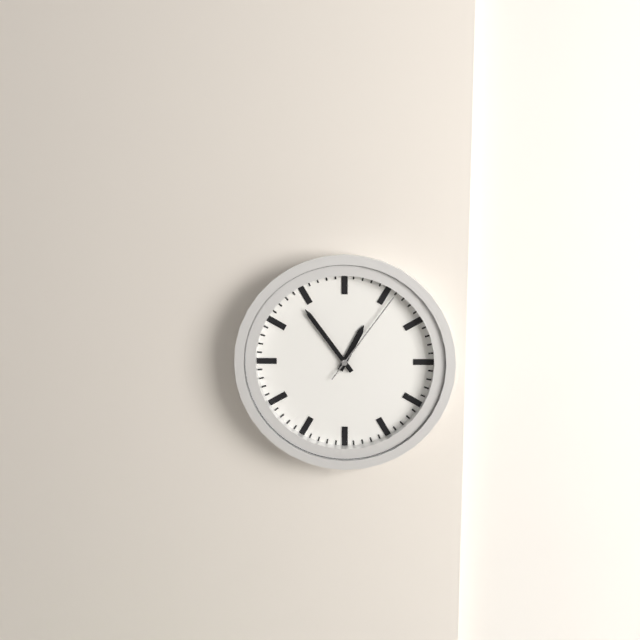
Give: 12:54:06
